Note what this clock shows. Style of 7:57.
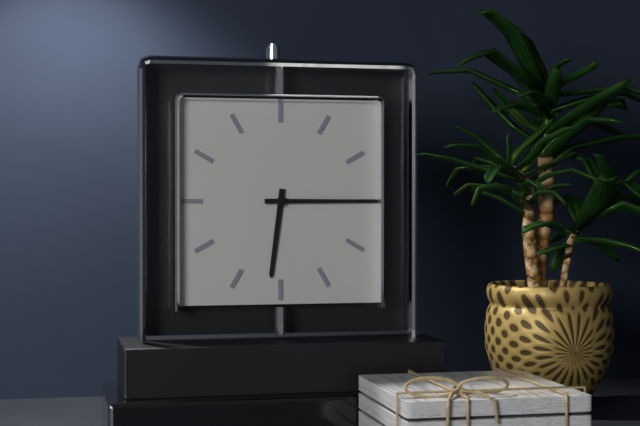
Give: 6:15
